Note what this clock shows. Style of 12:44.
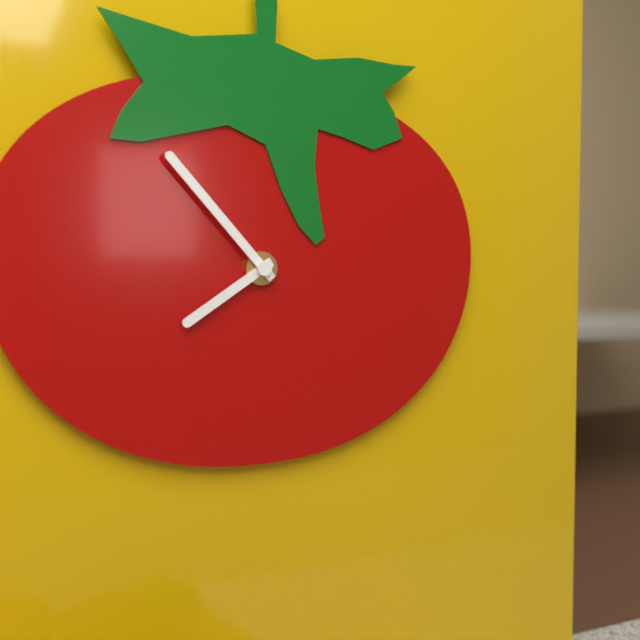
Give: 7:53
